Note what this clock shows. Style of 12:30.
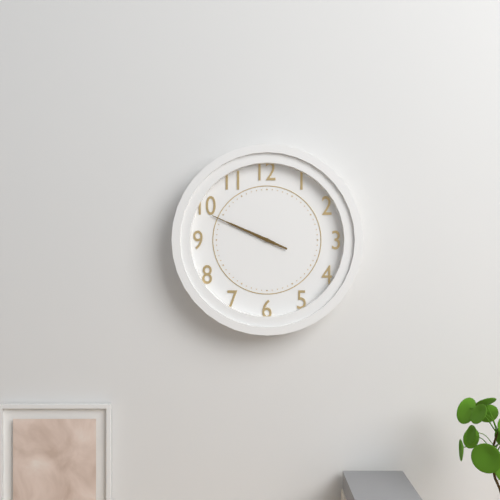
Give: 9:49
